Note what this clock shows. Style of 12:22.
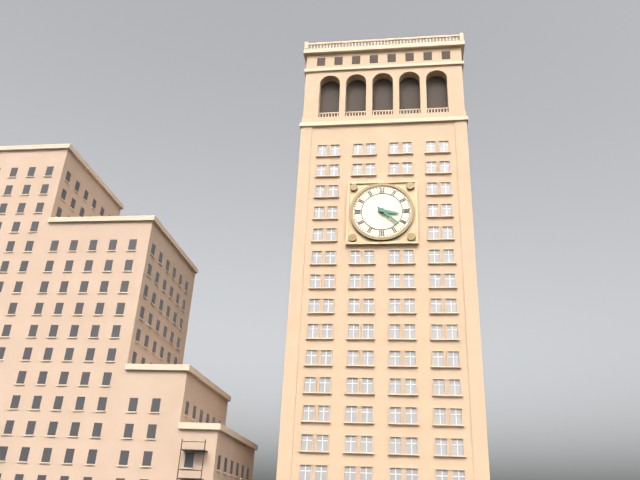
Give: 3:22
